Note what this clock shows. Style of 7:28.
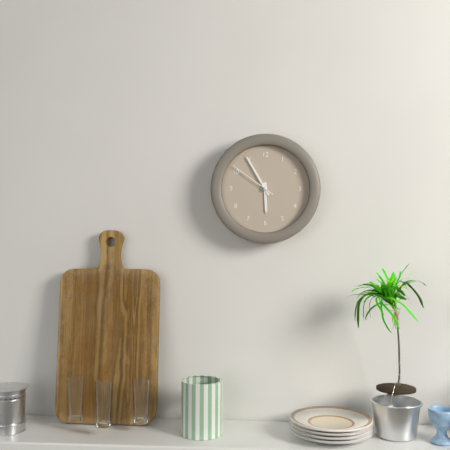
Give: 5:55
